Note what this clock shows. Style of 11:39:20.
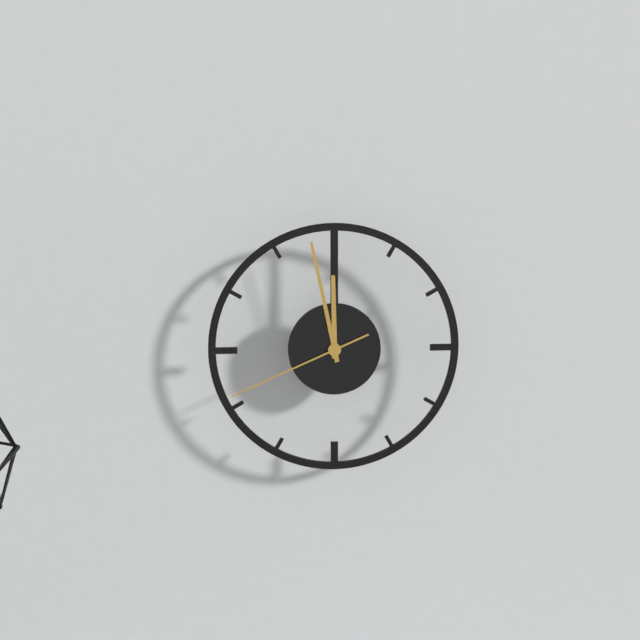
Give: 11:58:41
